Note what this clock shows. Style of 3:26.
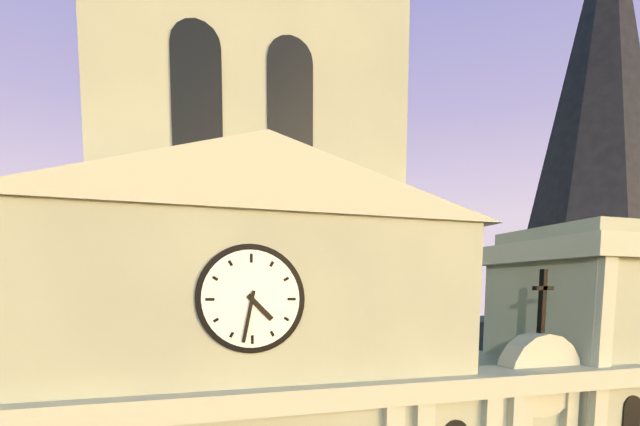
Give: 4:32
